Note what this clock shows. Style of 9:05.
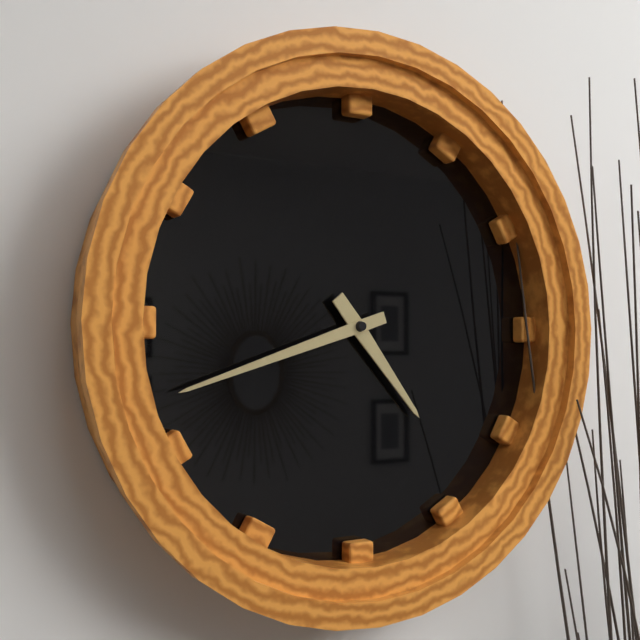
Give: 4:42
